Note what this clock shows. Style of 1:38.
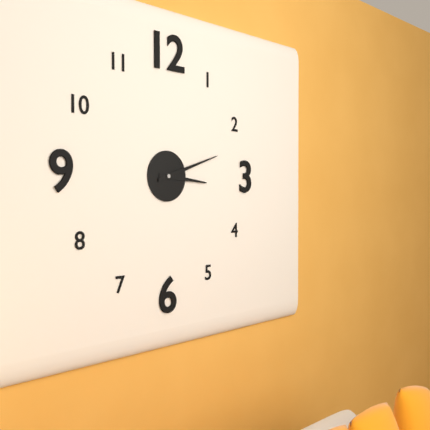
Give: 3:12
